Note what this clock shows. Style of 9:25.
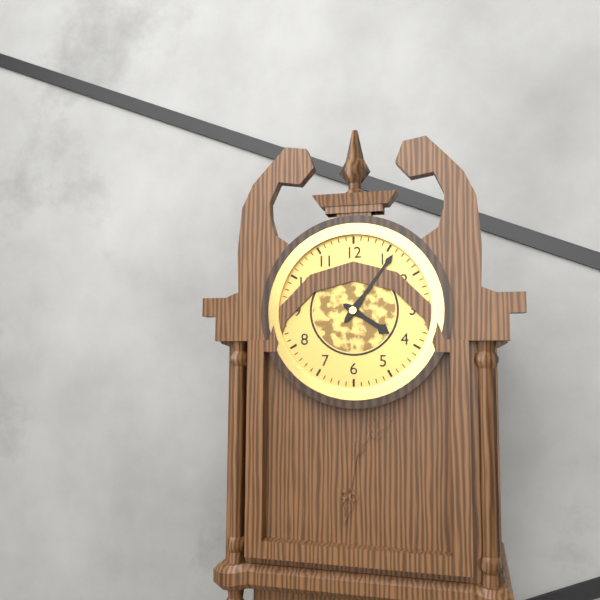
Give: 4:06
